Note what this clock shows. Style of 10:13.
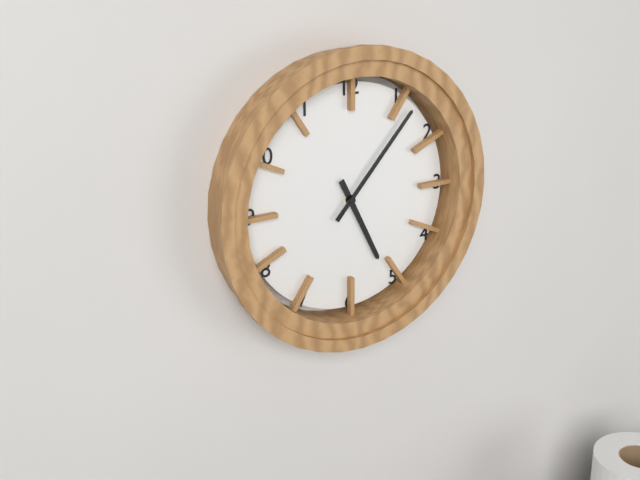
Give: 5:07
